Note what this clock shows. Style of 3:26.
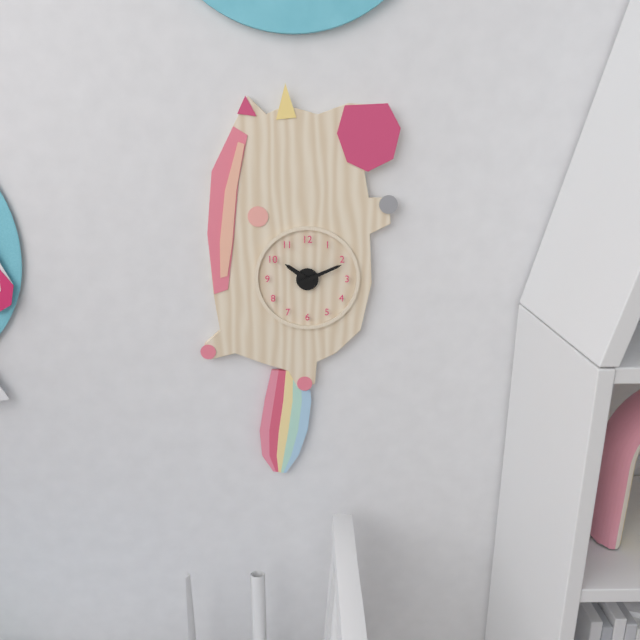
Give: 10:11
